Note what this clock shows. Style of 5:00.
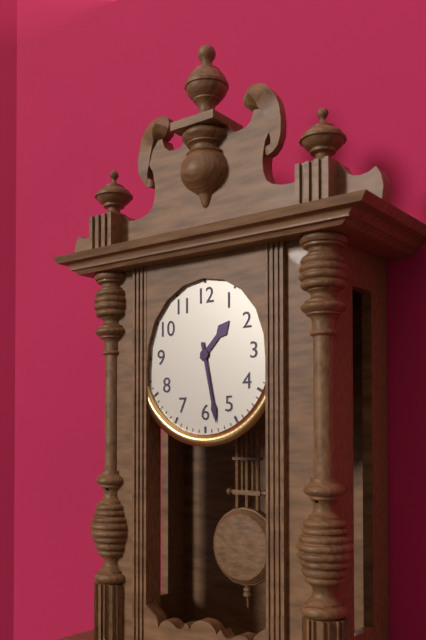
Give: 1:28
